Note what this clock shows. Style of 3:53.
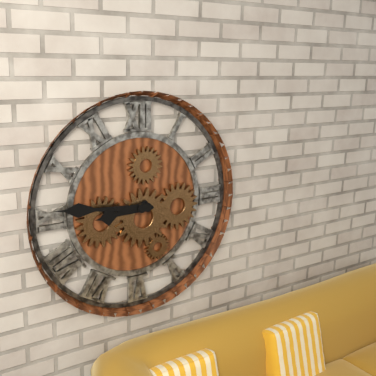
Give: 8:46
